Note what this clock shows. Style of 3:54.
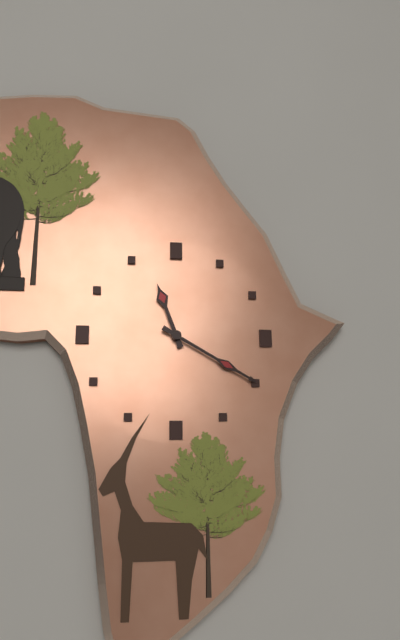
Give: 11:20
